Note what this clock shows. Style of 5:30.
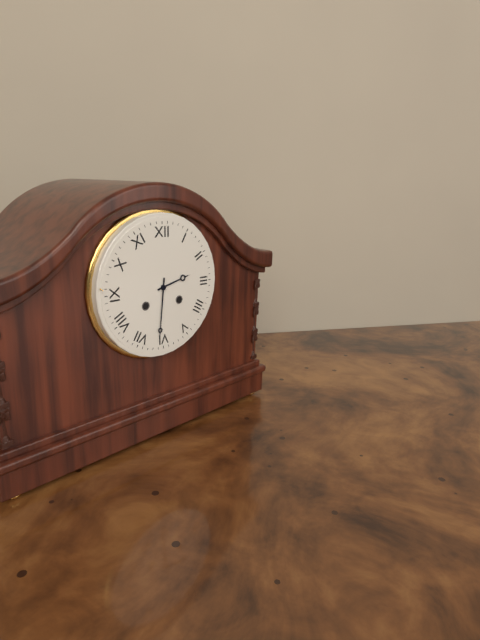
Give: 2:31
